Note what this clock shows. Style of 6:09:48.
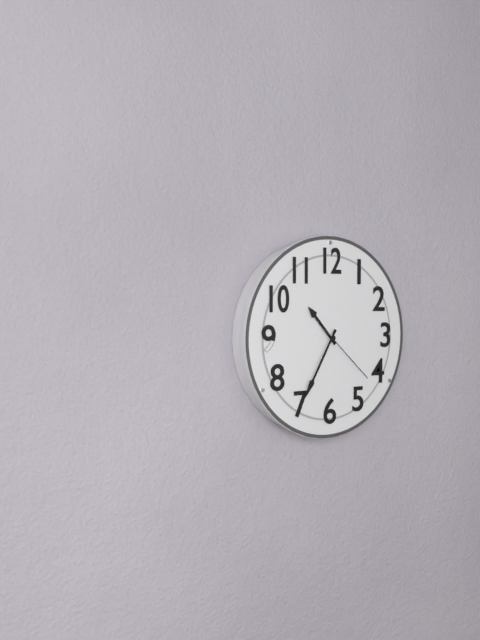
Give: 10:35:22
